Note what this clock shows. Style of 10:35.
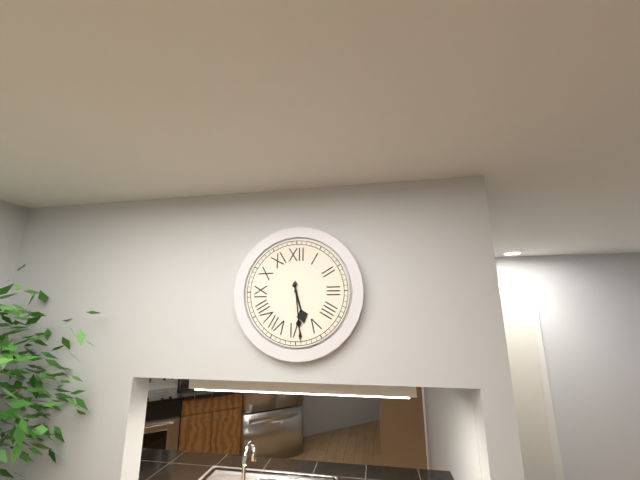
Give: 5:29
